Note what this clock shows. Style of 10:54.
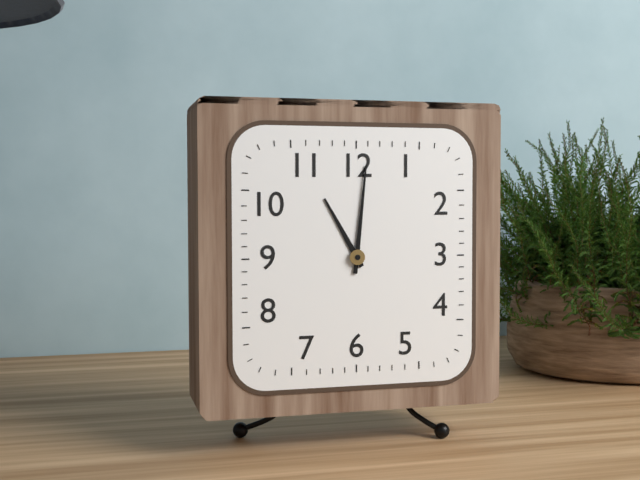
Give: 11:01
